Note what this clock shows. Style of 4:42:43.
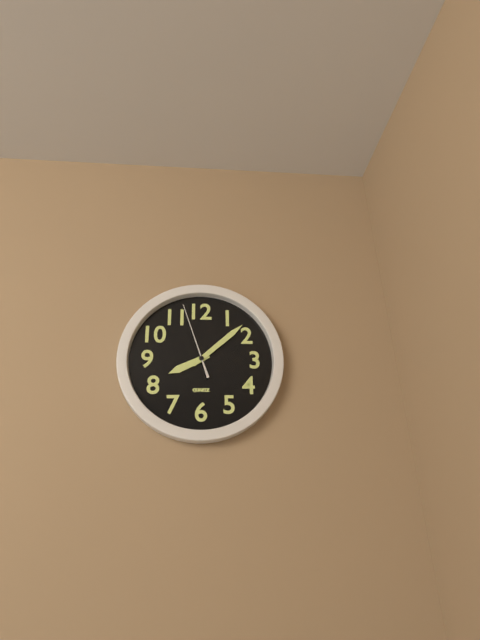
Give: 8:08:57
